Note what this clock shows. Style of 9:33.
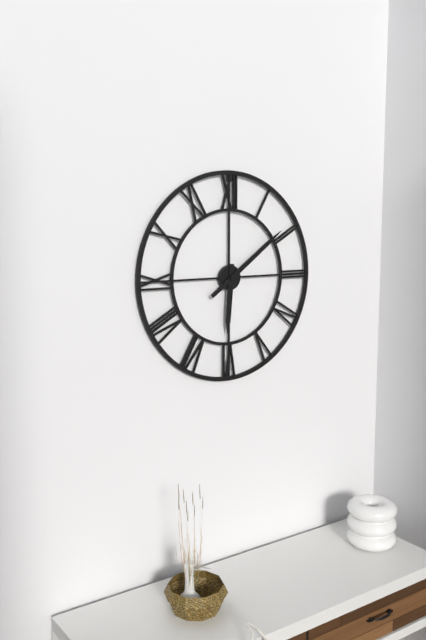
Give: 6:09
